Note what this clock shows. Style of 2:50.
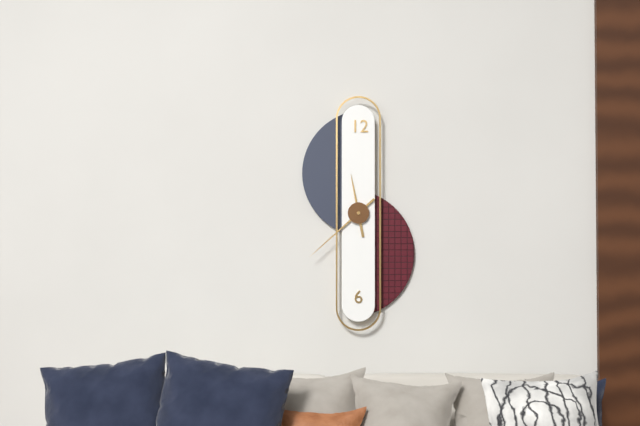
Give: 11:38
